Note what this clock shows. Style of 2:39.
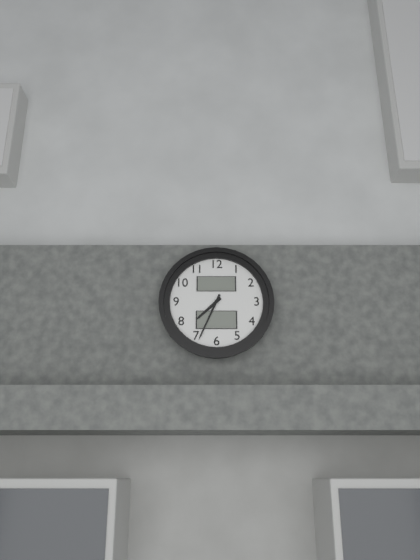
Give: 7:34
